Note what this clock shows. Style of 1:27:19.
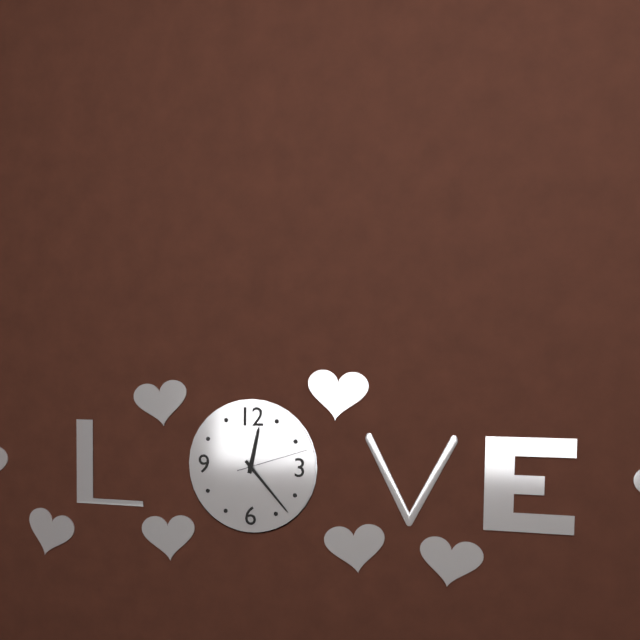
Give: 12:23:12
